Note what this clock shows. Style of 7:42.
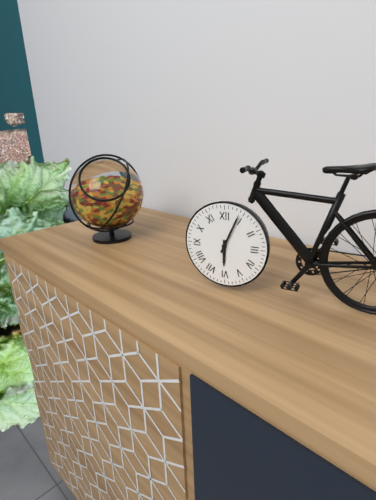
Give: 6:04
